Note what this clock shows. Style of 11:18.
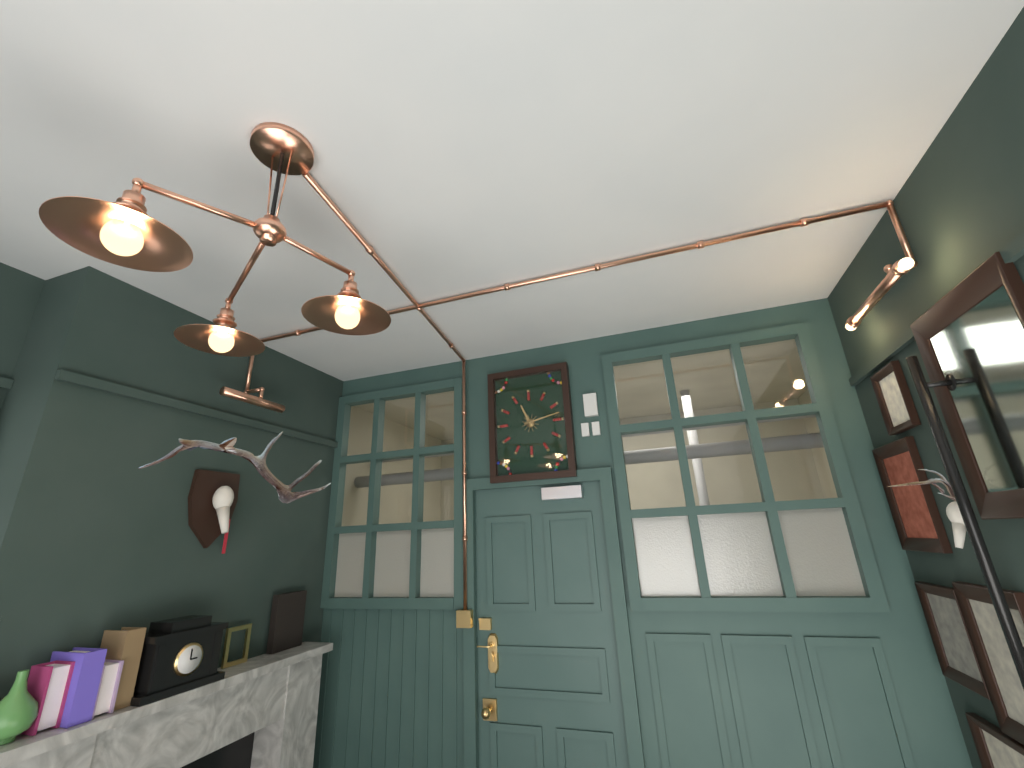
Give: 11:13
